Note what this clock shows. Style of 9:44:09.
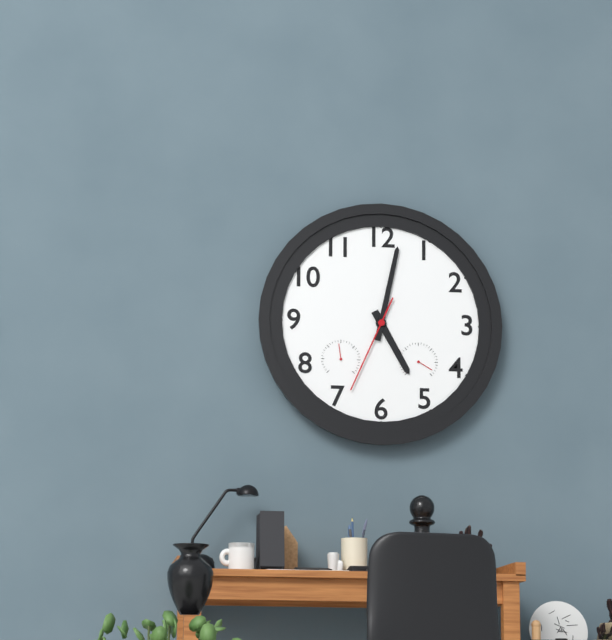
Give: 5:02:34
